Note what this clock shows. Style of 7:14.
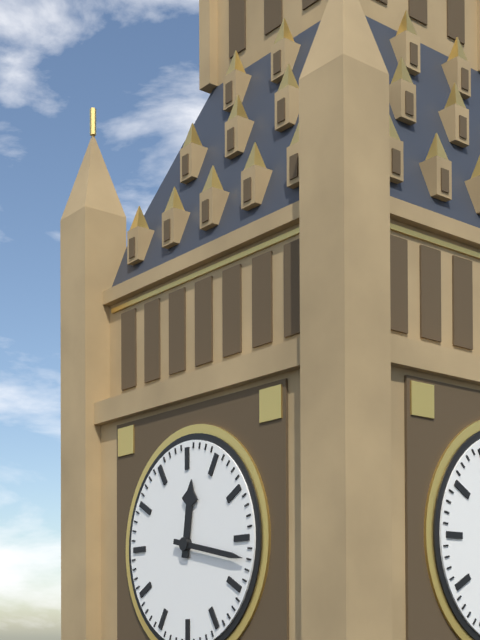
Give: 12:17
